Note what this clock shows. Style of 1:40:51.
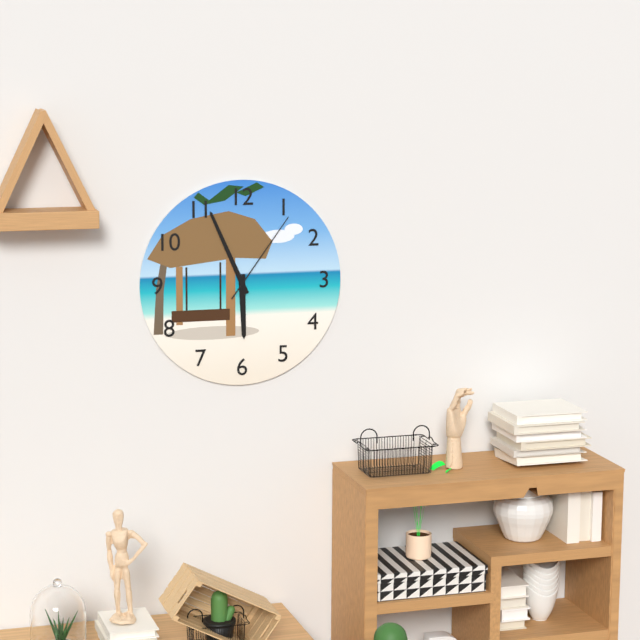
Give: 5:56:06
